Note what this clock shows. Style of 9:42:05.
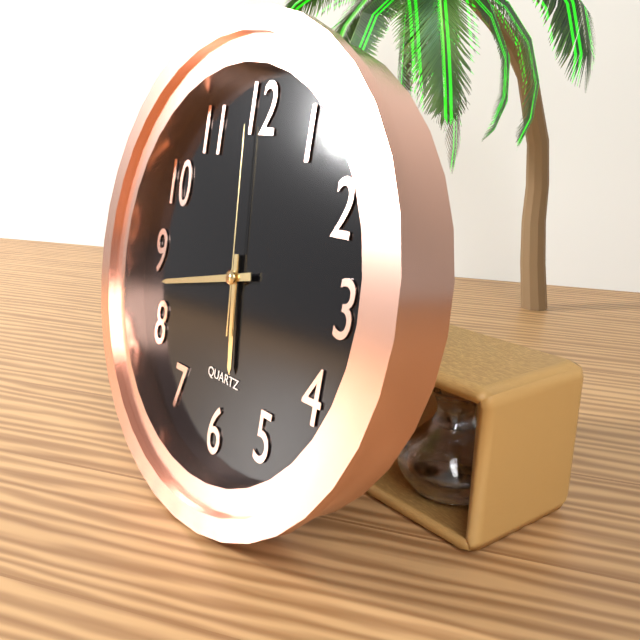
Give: 5:43:59
